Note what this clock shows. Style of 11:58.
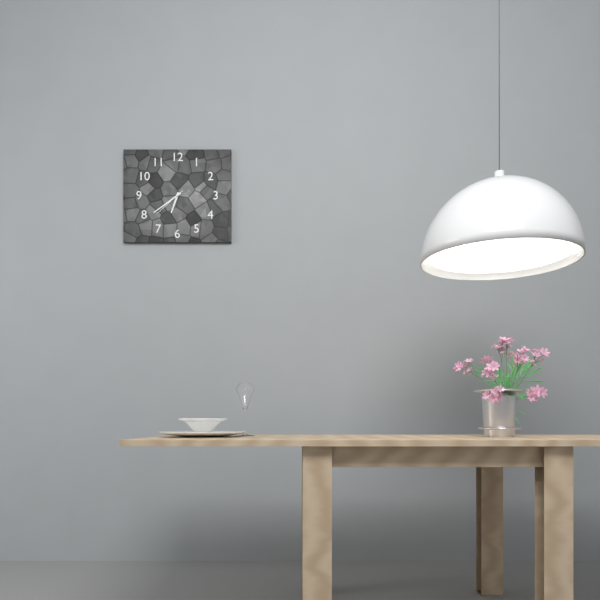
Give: 6:39
